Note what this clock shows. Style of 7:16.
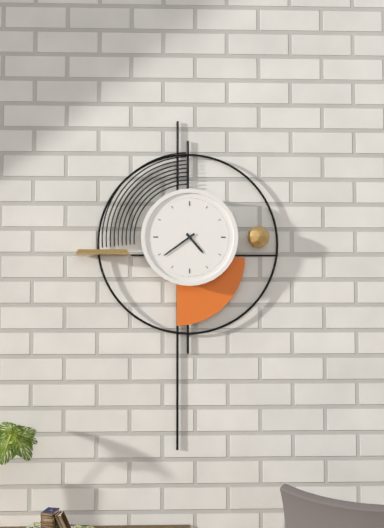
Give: 4:39
